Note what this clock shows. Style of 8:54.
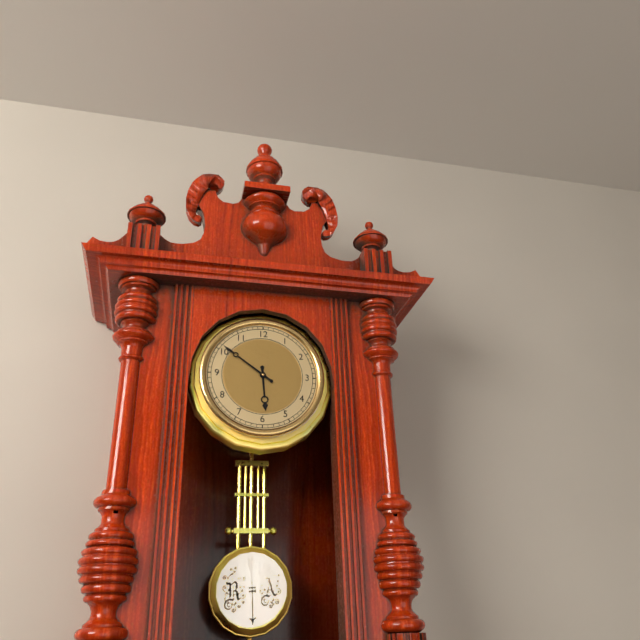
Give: 5:51
